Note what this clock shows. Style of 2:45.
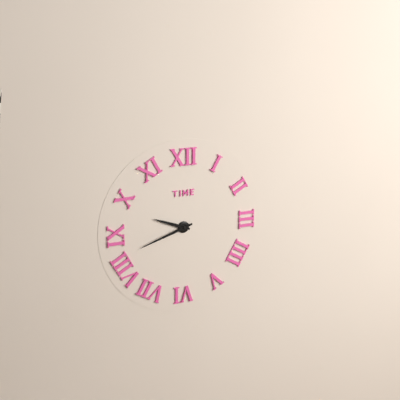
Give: 9:42
